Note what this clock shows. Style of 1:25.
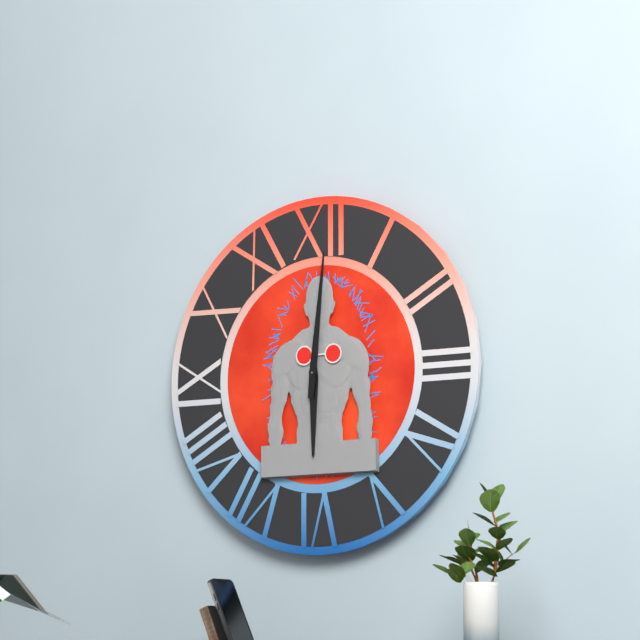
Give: 6:01
